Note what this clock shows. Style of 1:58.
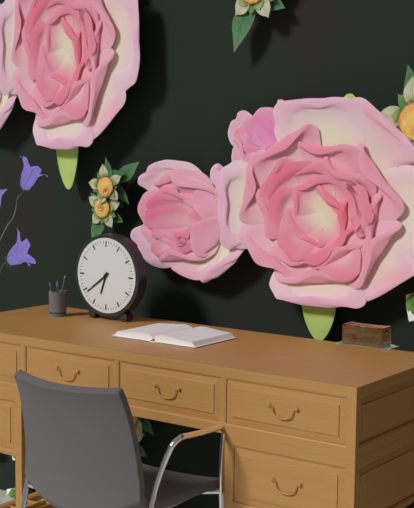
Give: 6:39
